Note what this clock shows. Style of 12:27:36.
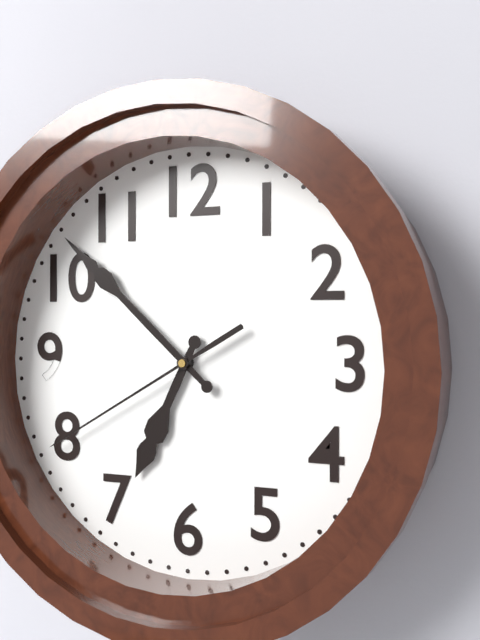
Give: 6:52:40
